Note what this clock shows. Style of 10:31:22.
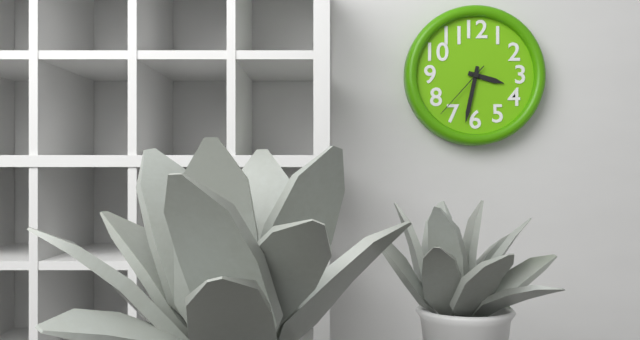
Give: 3:32:37
